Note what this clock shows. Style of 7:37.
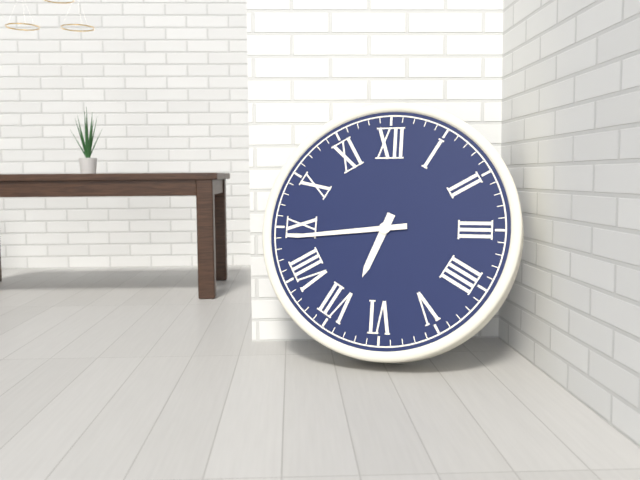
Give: 6:44
